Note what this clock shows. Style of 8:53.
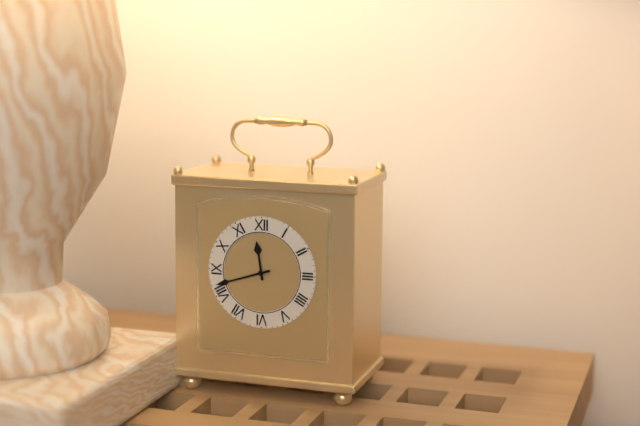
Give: 11:42
